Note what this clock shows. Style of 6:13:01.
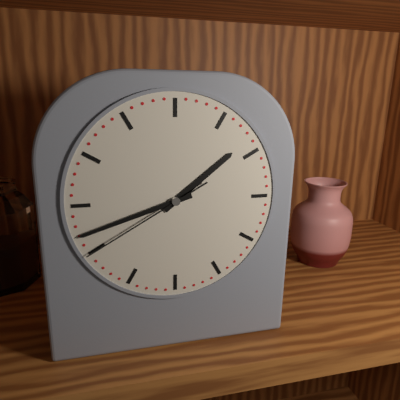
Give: 1:42:40
